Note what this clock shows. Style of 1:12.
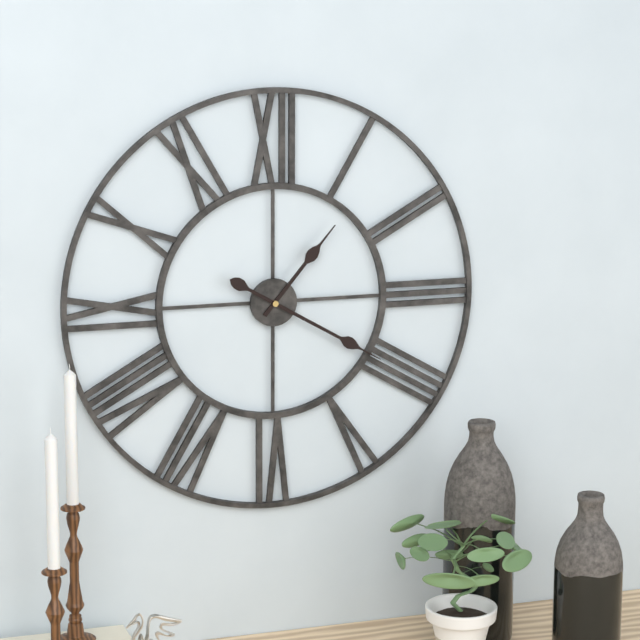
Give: 1:20
